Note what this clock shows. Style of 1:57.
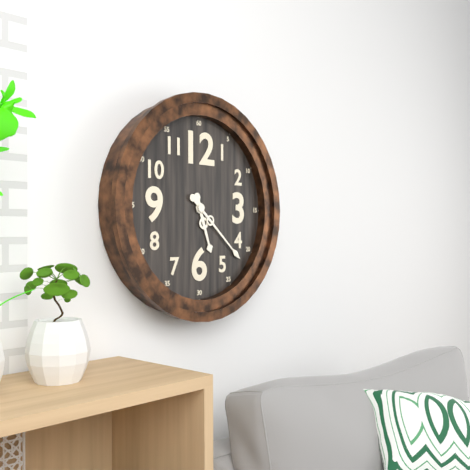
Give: 5:22
